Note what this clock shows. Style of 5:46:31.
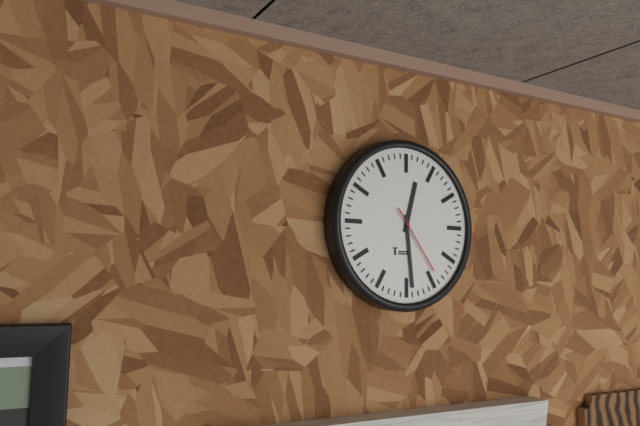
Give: 12:29:24
